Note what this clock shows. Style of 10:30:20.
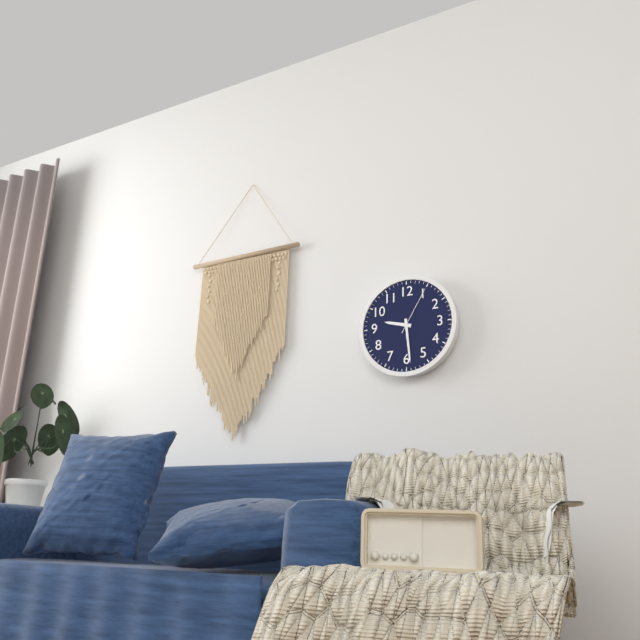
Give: 9:29:05
